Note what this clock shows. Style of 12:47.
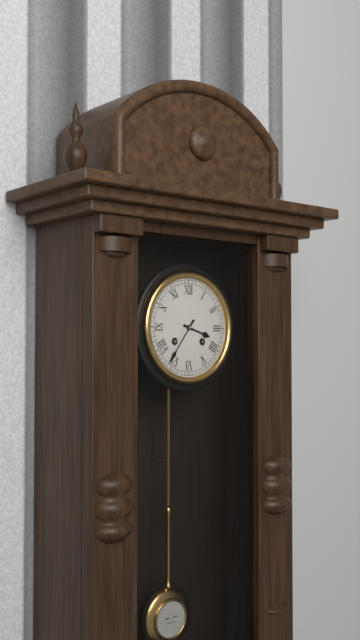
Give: 3:36
